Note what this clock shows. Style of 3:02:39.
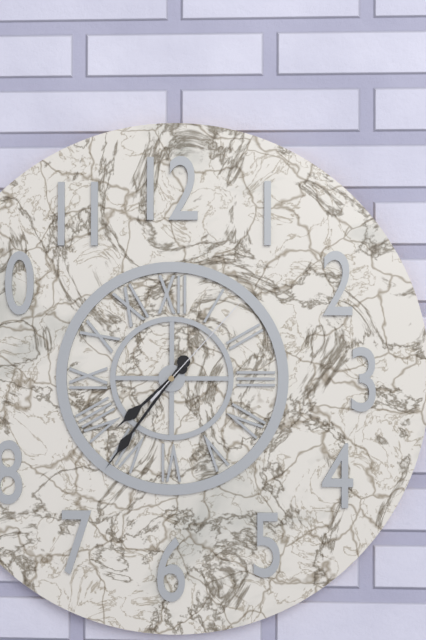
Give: 7:36:07
